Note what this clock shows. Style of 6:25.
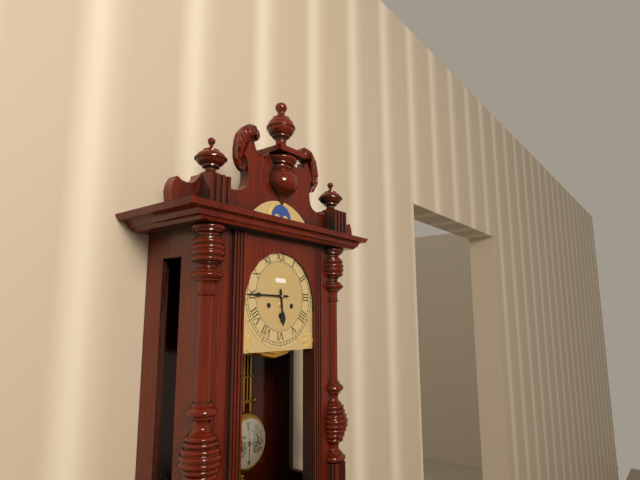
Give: 5:45
